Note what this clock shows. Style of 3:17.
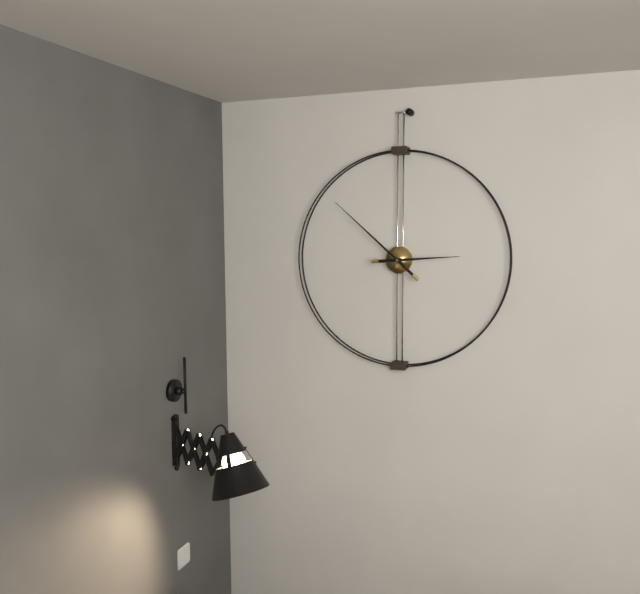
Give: 2:52
